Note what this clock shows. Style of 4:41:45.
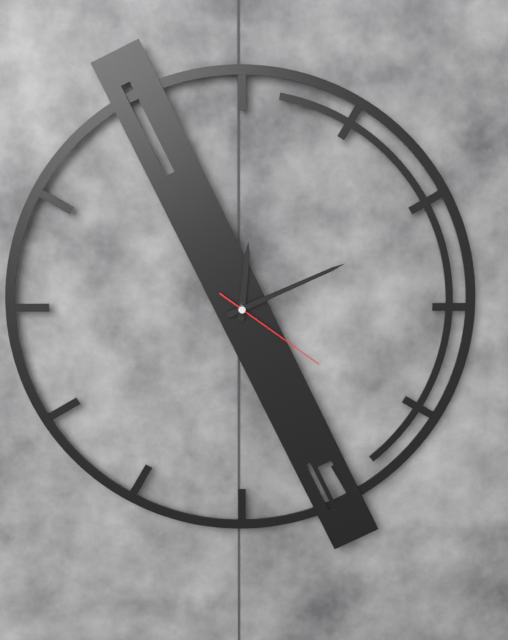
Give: 12:11:21
